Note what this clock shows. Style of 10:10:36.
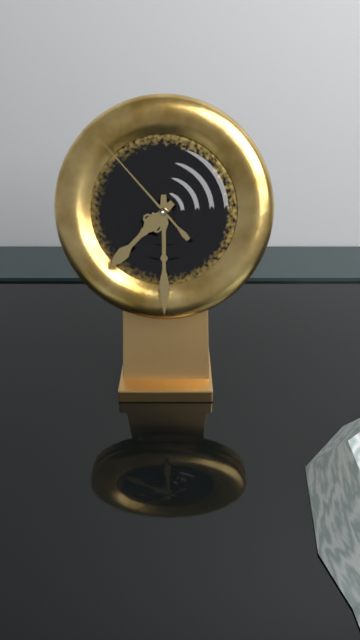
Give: 7:30:53
